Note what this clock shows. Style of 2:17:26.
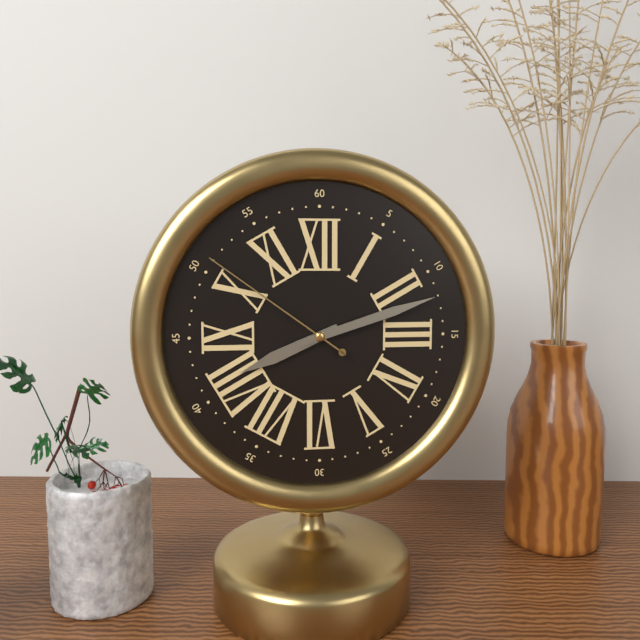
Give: 8:12:51
